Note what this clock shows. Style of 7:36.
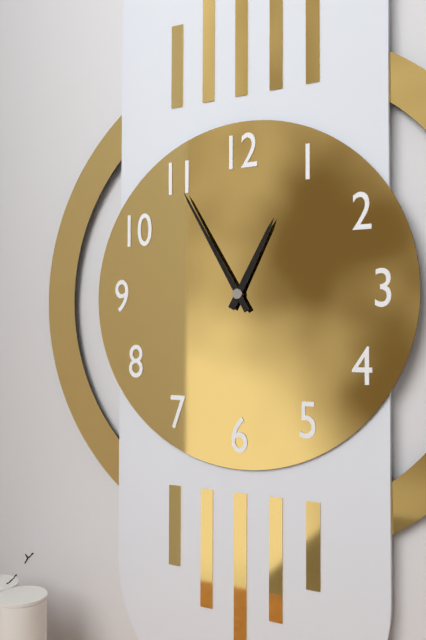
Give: 12:55
